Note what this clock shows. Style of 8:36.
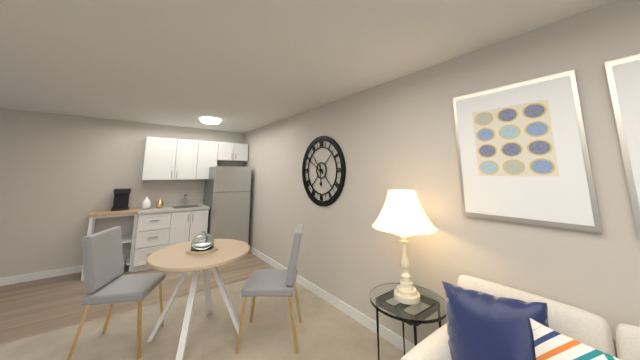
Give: 5:50
